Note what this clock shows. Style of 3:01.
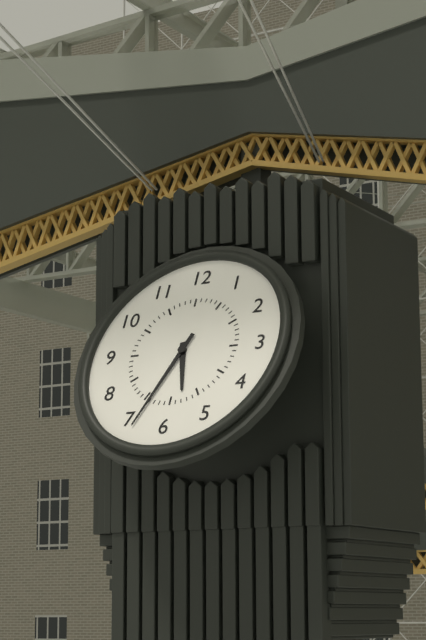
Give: 5:34
